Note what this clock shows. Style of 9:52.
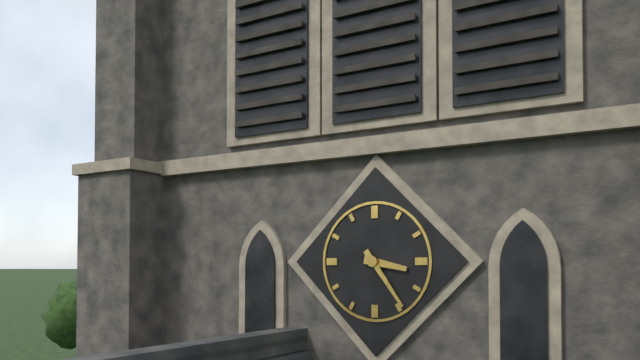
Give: 3:24
